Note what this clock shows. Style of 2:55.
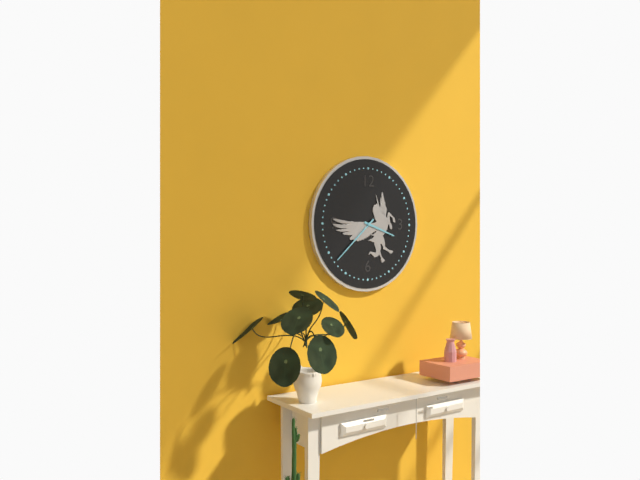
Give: 3:38
